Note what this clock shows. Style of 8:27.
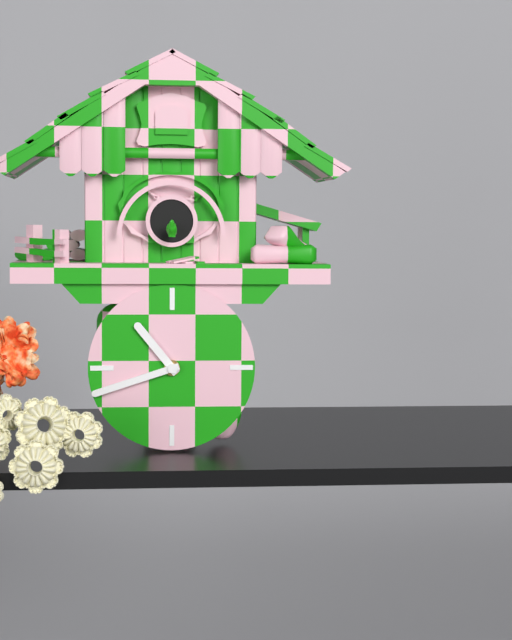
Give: 10:42
